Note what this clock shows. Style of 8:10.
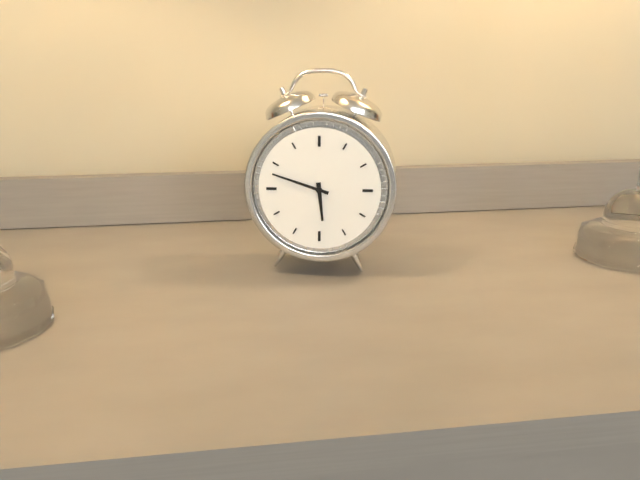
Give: 5:48
